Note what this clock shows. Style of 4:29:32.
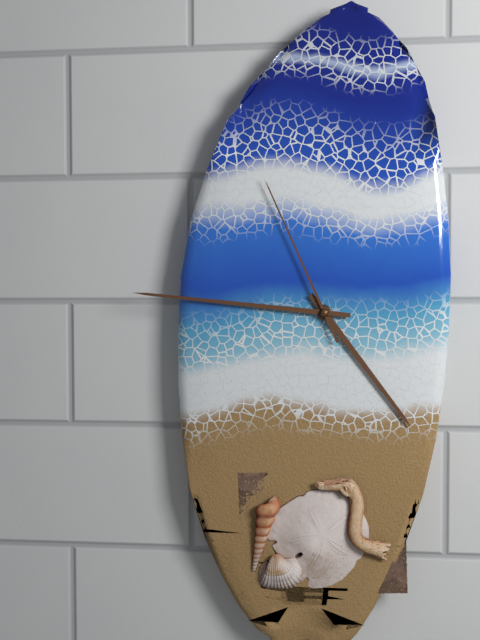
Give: 4:46:56
